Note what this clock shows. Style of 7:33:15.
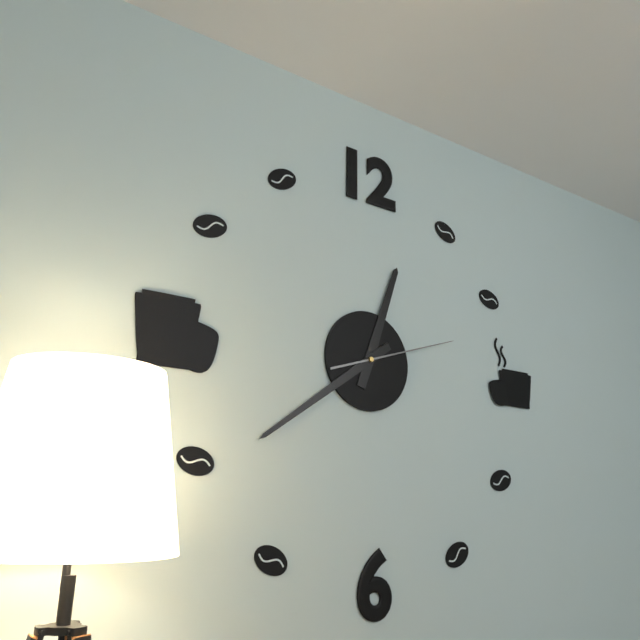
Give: 12:39:12
